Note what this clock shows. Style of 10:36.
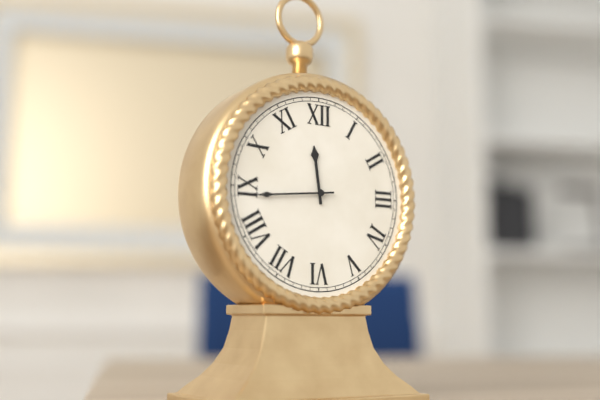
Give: 11:44
